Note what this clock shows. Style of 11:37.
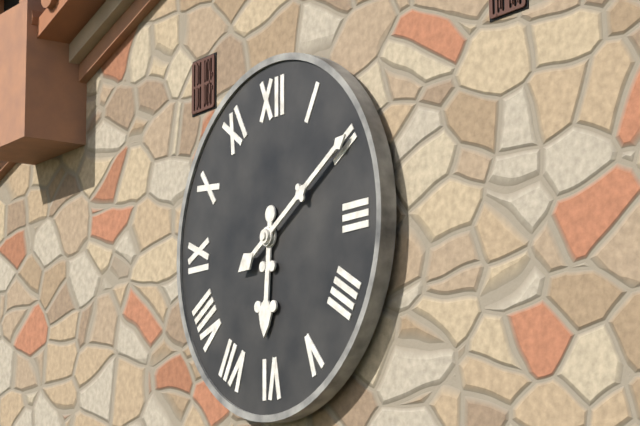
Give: 6:10
